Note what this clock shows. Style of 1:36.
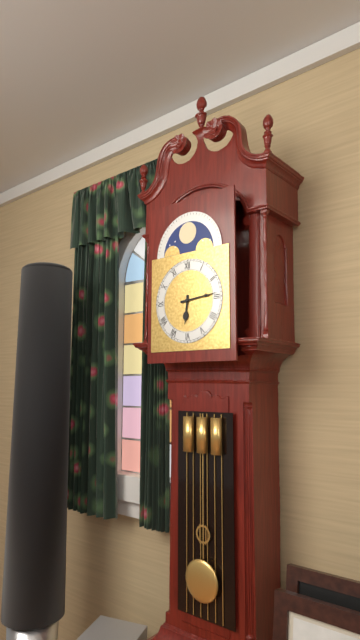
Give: 6:14
